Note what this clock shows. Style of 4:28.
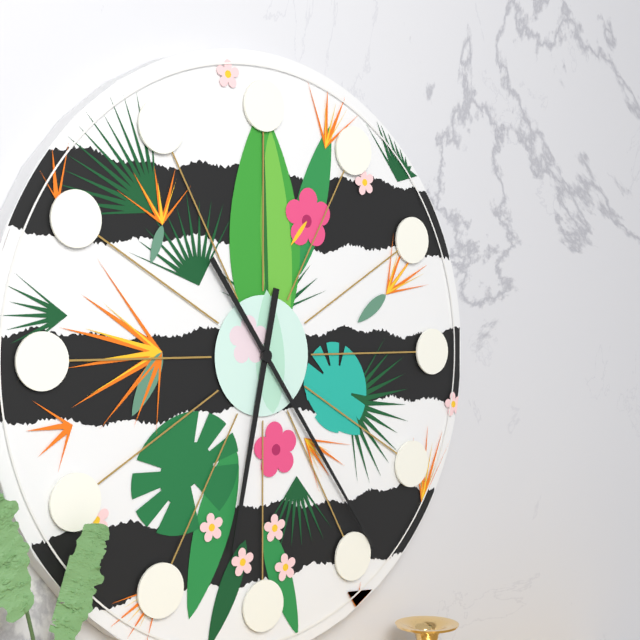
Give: 6:24
